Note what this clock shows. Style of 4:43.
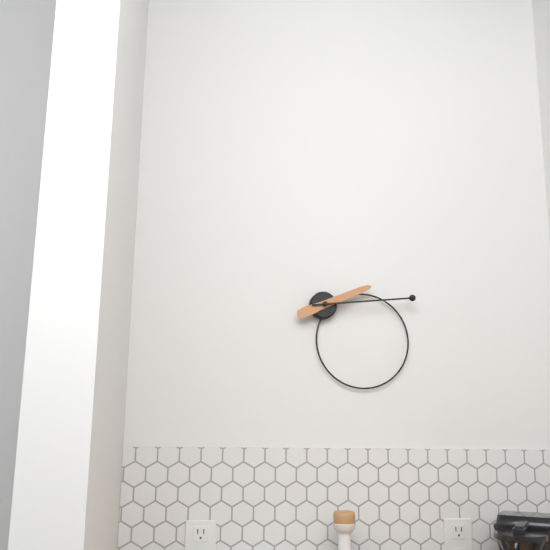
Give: 2:14
